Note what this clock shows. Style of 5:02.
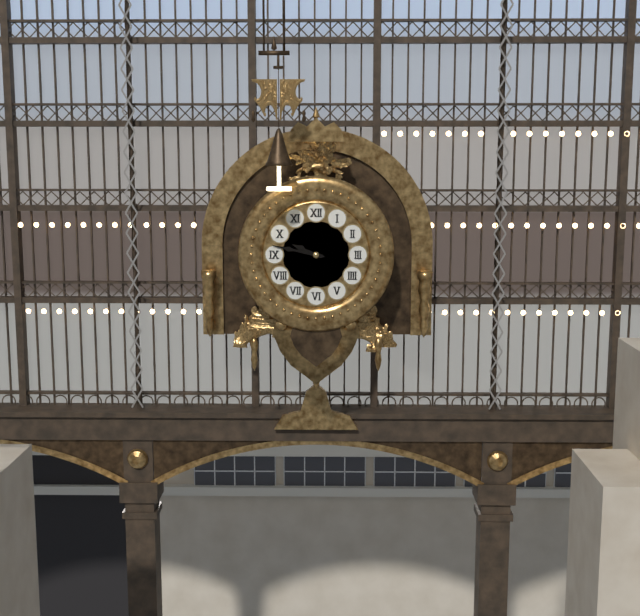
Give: 9:47
